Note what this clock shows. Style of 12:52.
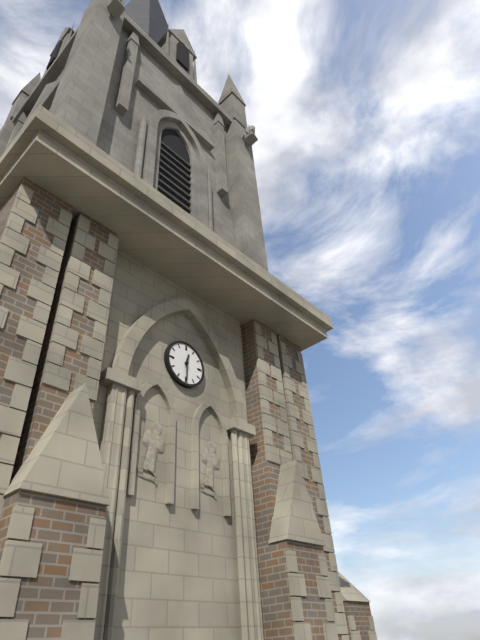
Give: 12:30
